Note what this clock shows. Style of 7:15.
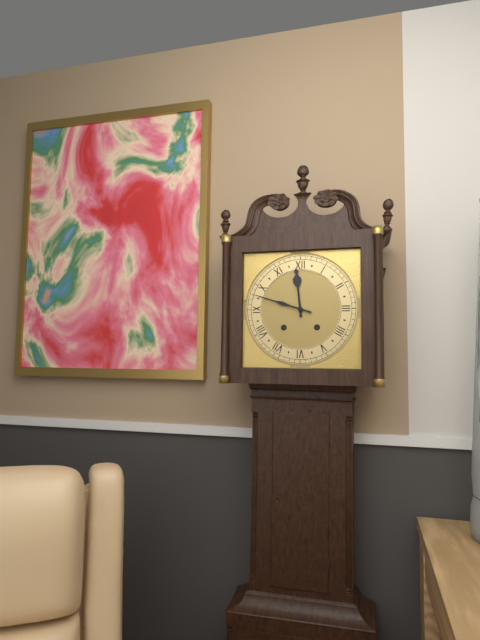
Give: 11:48
